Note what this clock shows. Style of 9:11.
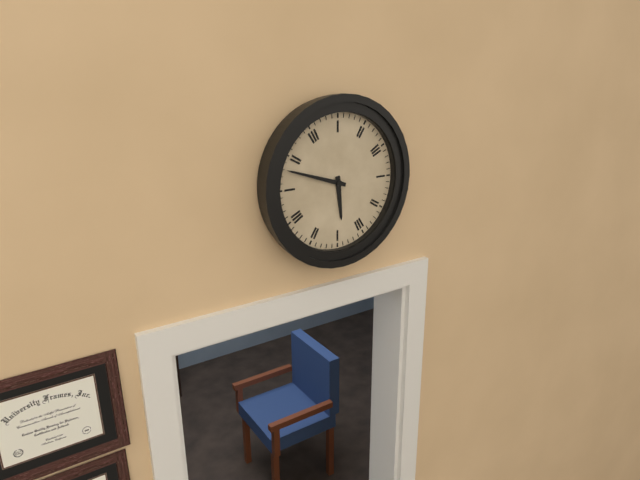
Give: 5:48
